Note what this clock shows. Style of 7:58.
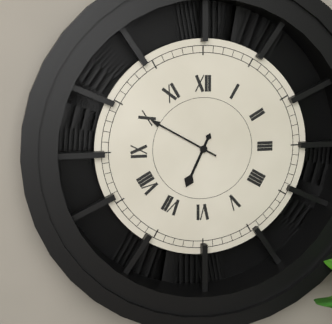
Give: 6:50
